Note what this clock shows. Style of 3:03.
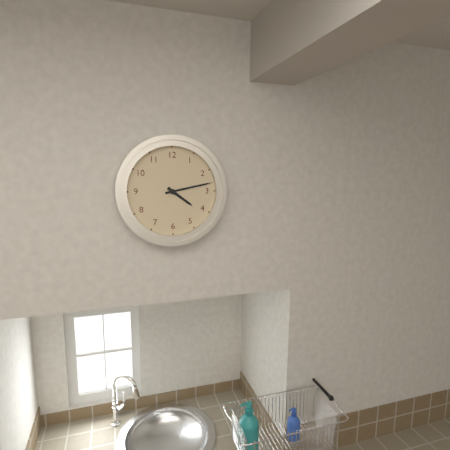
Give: 4:13
